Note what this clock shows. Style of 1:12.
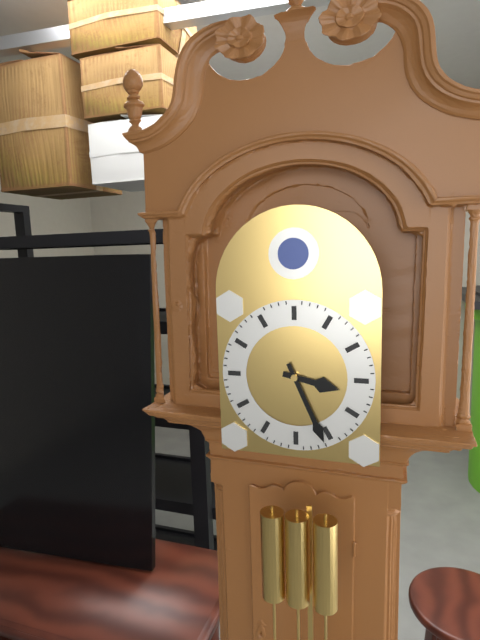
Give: 3:26
